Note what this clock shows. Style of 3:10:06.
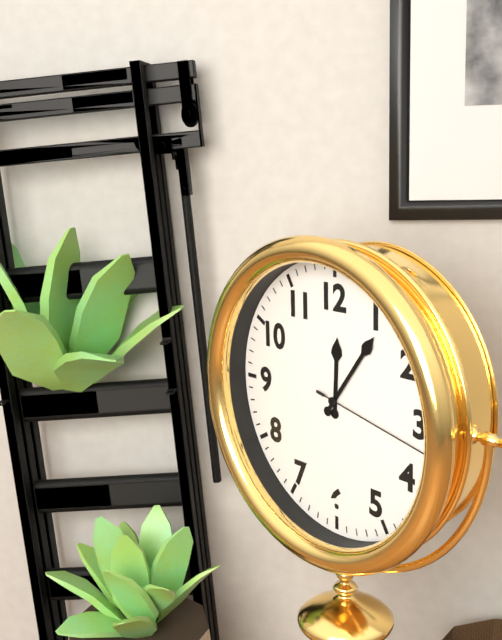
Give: 12:06:17
